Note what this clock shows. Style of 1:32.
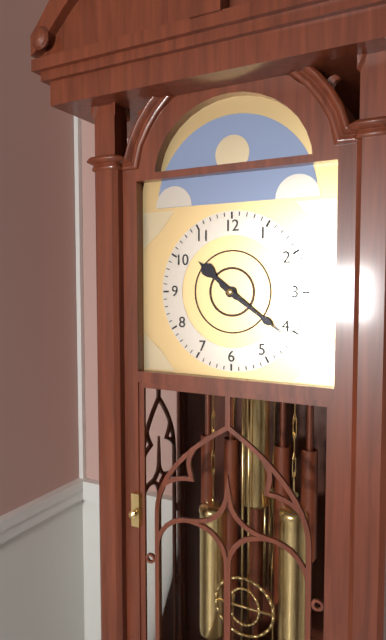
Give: 10:21
